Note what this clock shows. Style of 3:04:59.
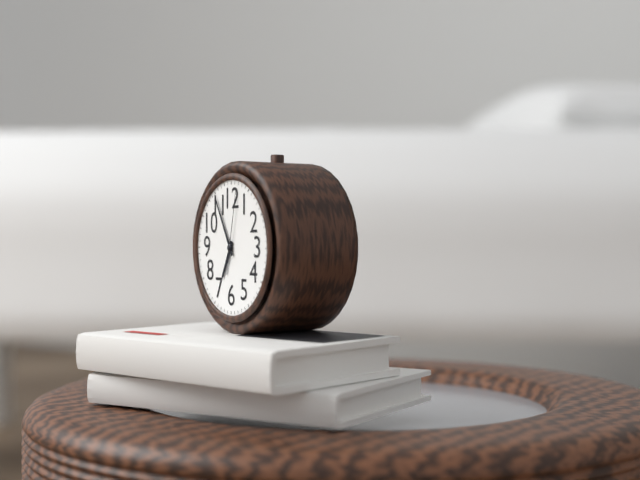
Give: 6:55:02
